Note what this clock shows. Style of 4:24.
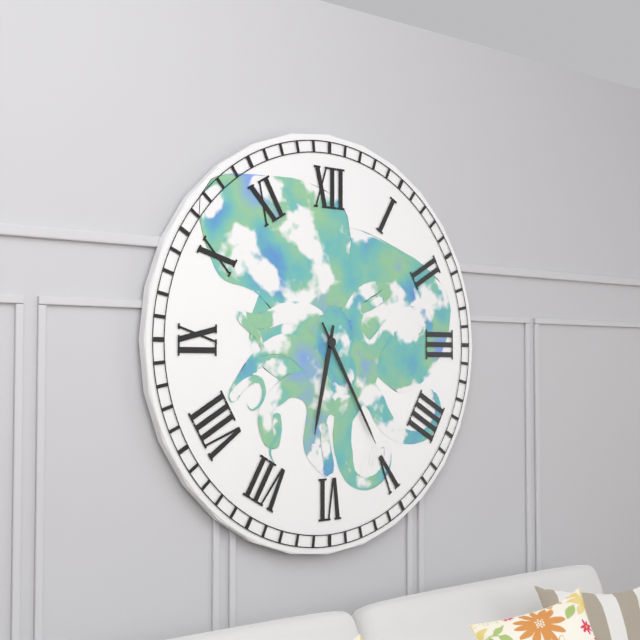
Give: 6:25
